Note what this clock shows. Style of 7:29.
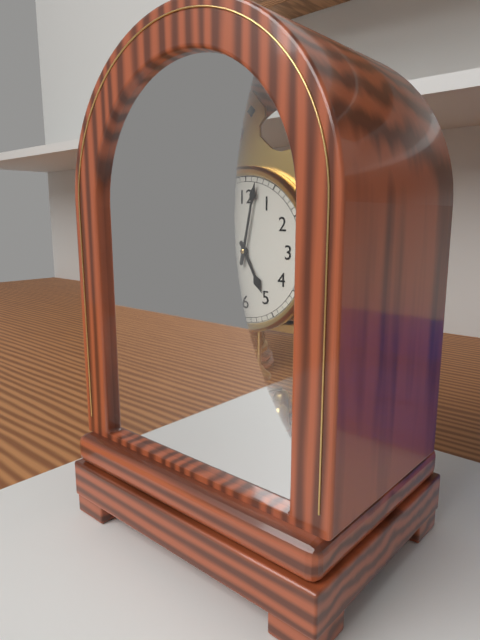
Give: 5:02
